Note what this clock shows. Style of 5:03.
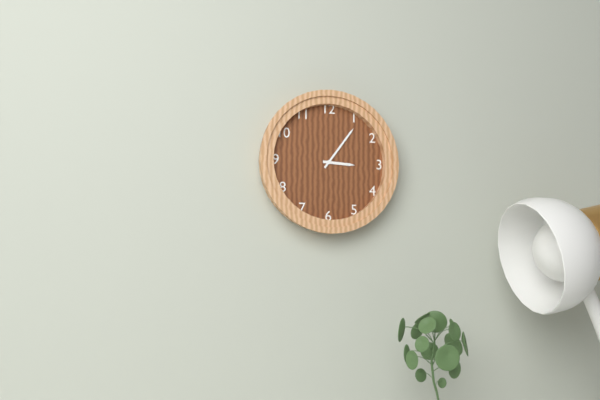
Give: 3:06
